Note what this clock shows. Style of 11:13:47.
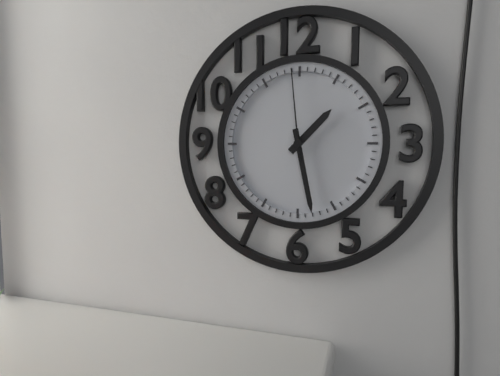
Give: 1:28:59
